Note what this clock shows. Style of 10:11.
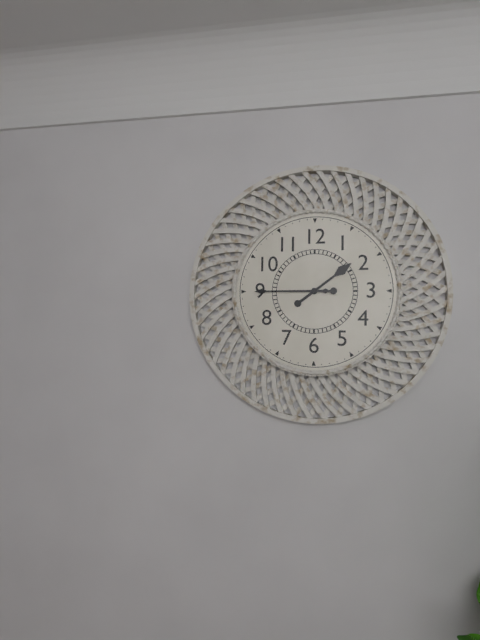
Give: 1:45
